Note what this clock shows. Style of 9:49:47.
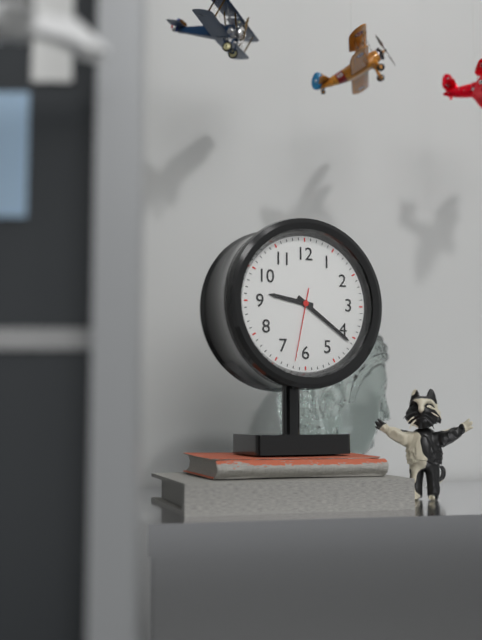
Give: 9:21:32
